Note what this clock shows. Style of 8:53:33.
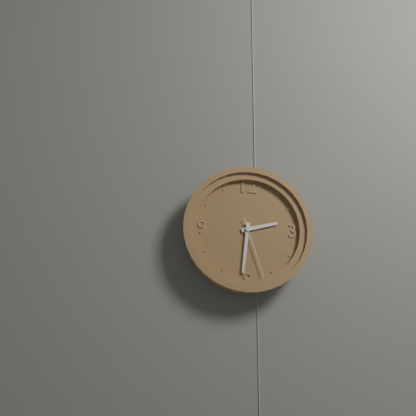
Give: 2:31:27
